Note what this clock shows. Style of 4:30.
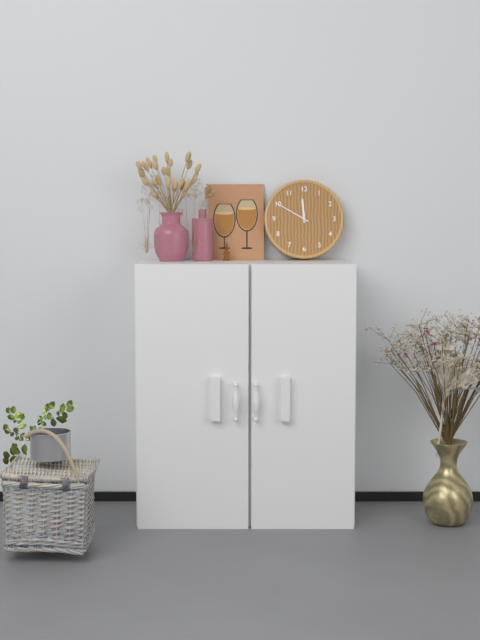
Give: 11:50
